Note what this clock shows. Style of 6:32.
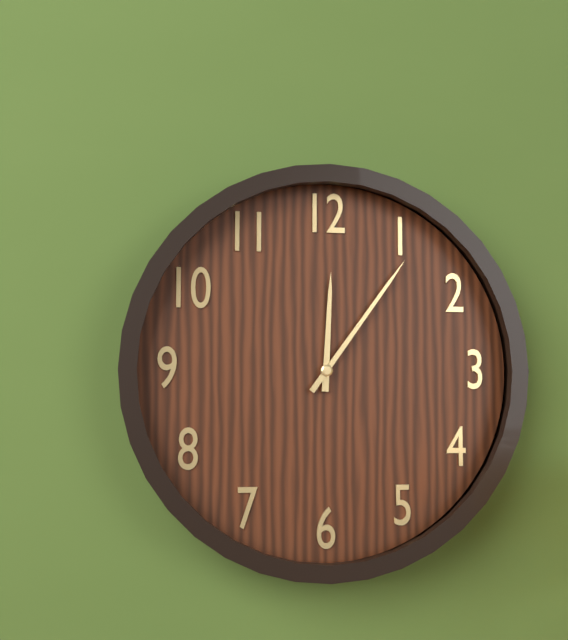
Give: 12:06
